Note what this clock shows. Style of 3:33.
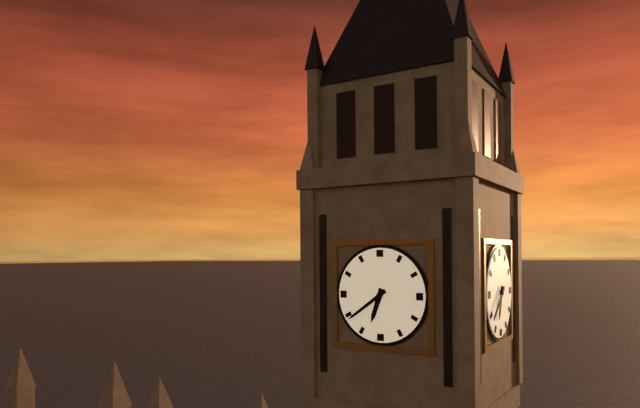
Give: 6:39
